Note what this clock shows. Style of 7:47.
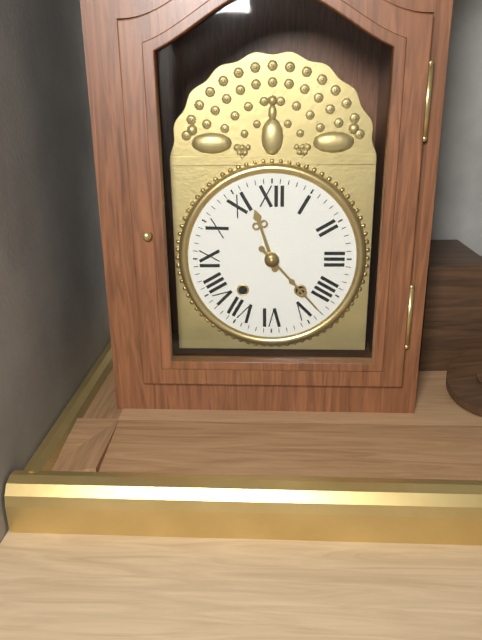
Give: 11:23
